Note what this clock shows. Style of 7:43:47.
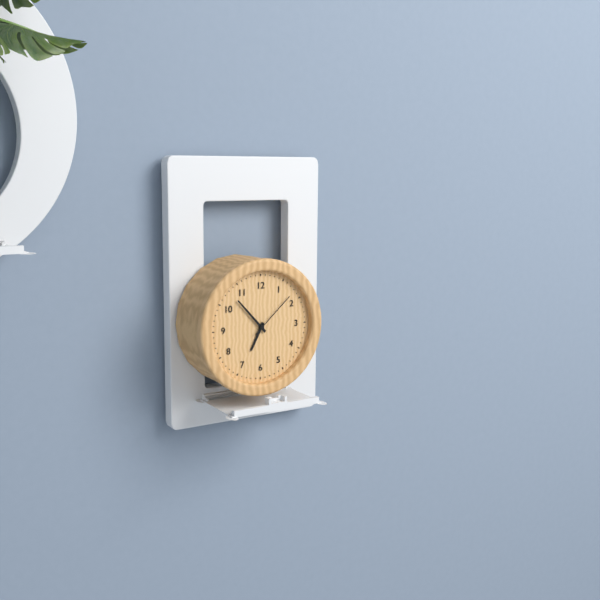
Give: 6:53:08
